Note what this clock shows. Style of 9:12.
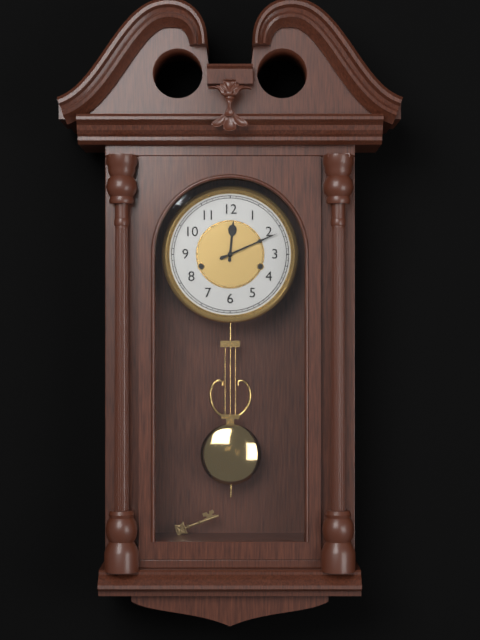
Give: 12:11
